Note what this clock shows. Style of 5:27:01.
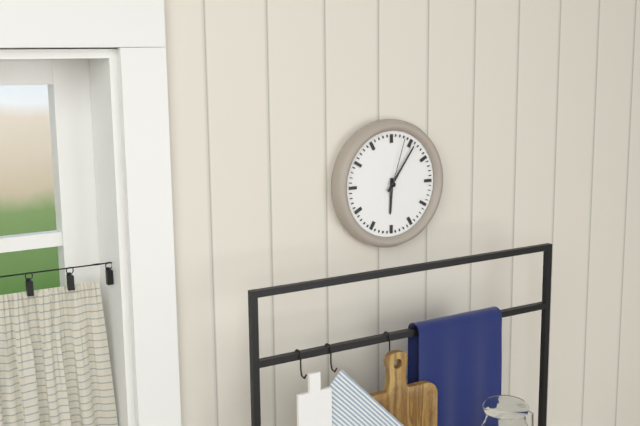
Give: 6:06:03
